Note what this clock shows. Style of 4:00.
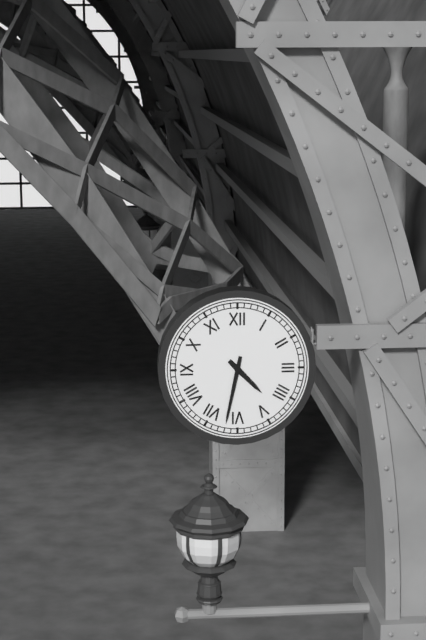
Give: 4:32
